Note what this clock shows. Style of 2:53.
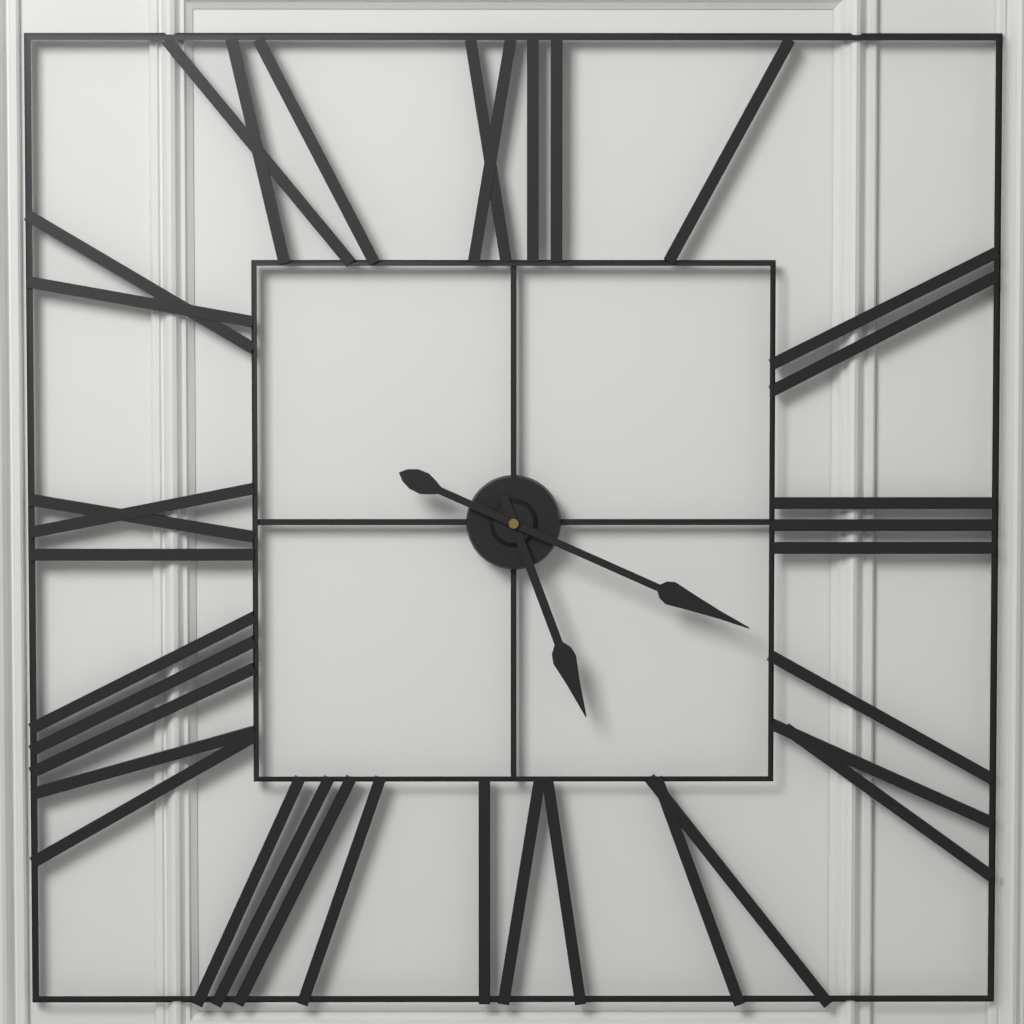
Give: 5:19
